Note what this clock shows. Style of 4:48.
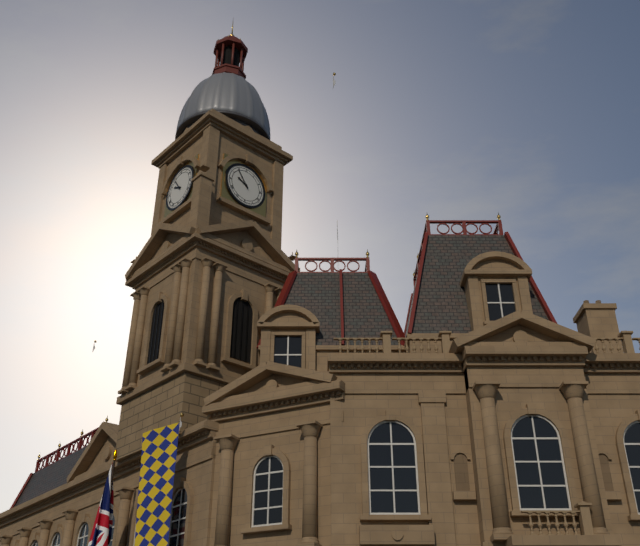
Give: 9:54
